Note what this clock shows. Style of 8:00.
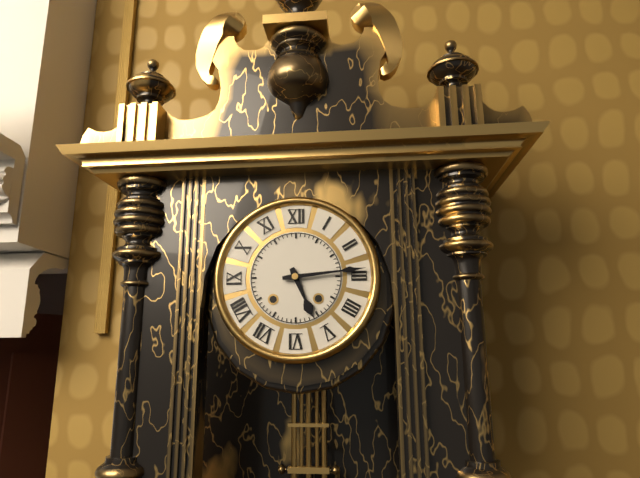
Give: 5:14
